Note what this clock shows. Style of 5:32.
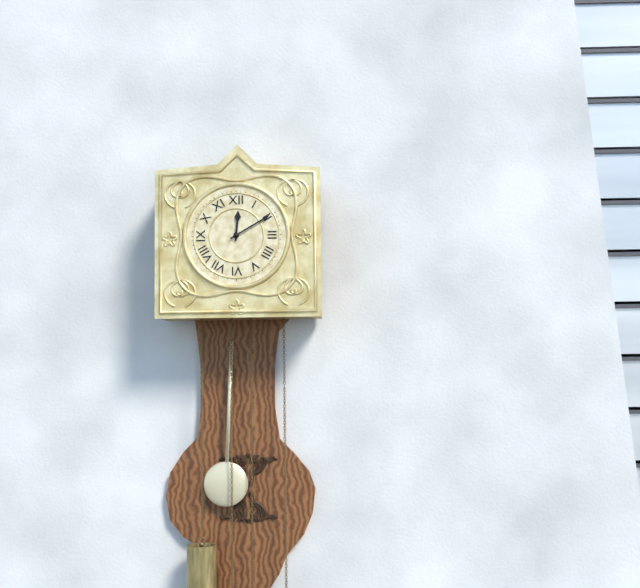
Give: 12:10
